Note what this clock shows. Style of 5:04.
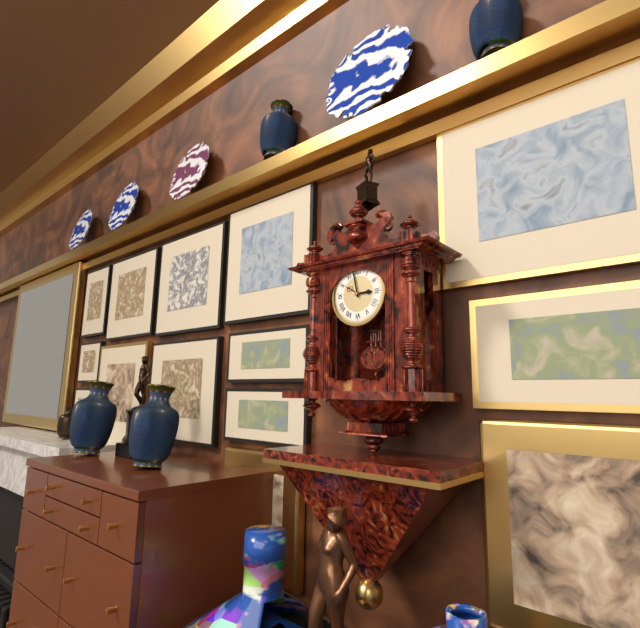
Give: 2:58
